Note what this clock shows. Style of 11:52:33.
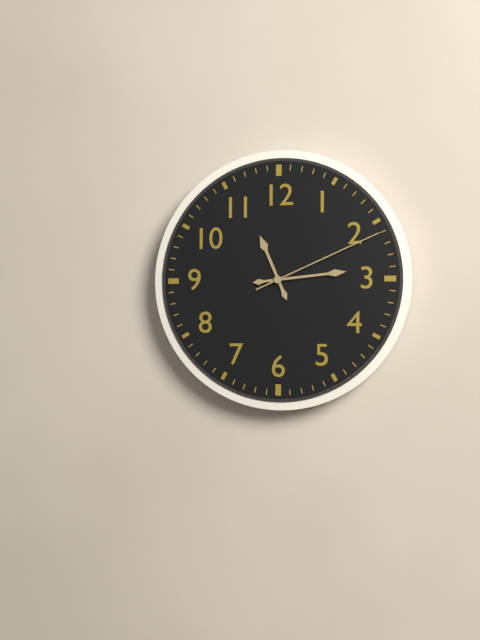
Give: 11:14:11
